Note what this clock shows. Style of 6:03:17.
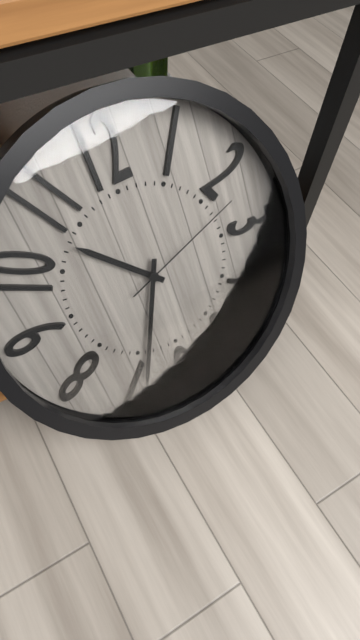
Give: 10:34:12
